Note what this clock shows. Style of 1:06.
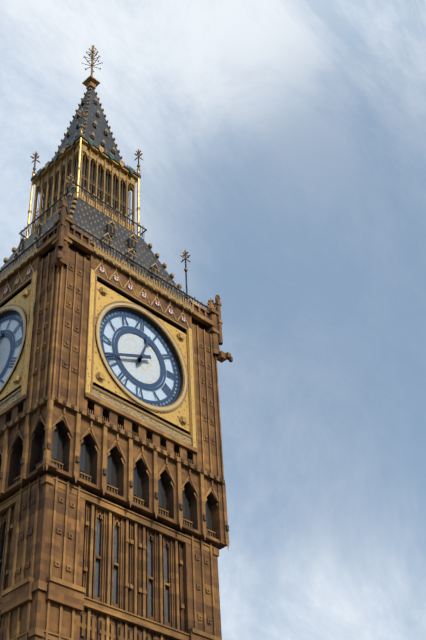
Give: 12:41
